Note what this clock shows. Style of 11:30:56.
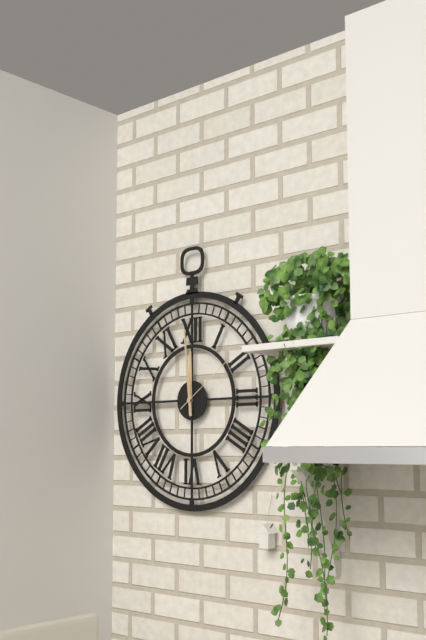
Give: 11:59:09
